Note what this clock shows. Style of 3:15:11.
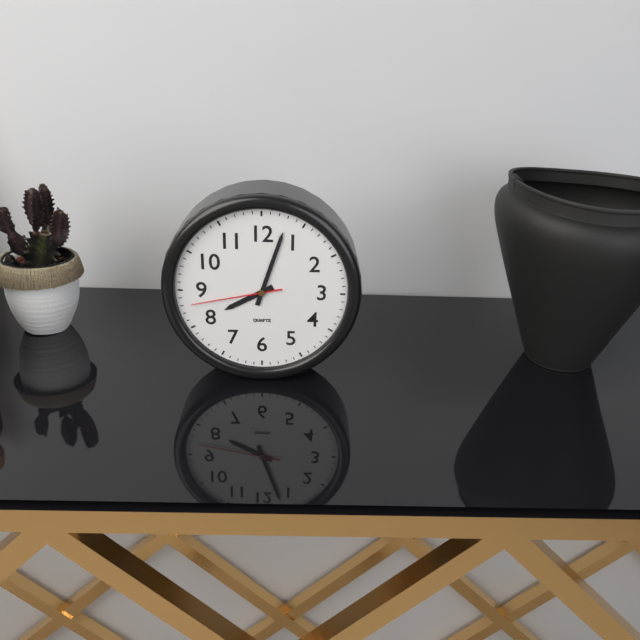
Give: 8:03:43
